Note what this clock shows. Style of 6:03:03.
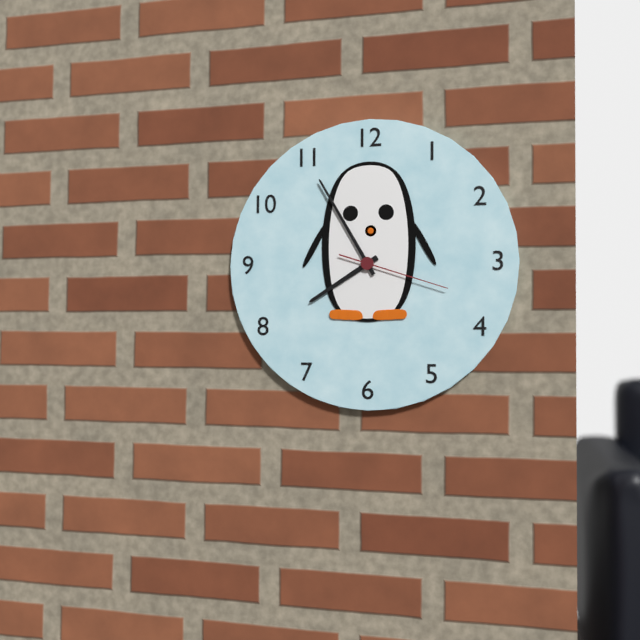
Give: 7:55:18
